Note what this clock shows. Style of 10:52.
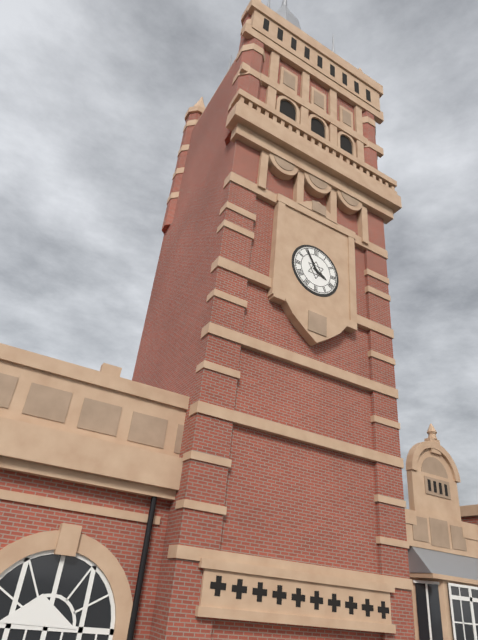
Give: 3:55
